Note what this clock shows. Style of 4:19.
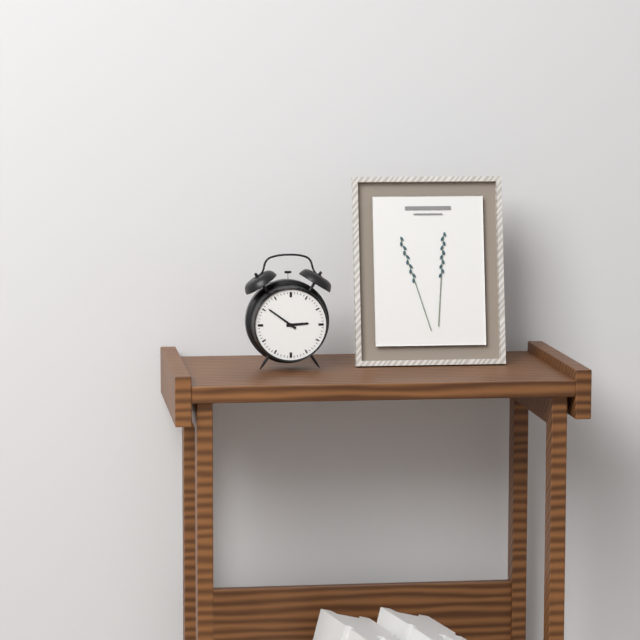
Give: 2:51
